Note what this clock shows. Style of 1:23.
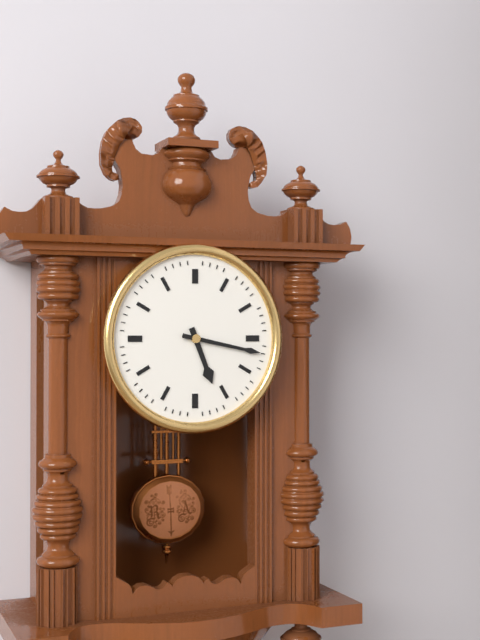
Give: 5:17
